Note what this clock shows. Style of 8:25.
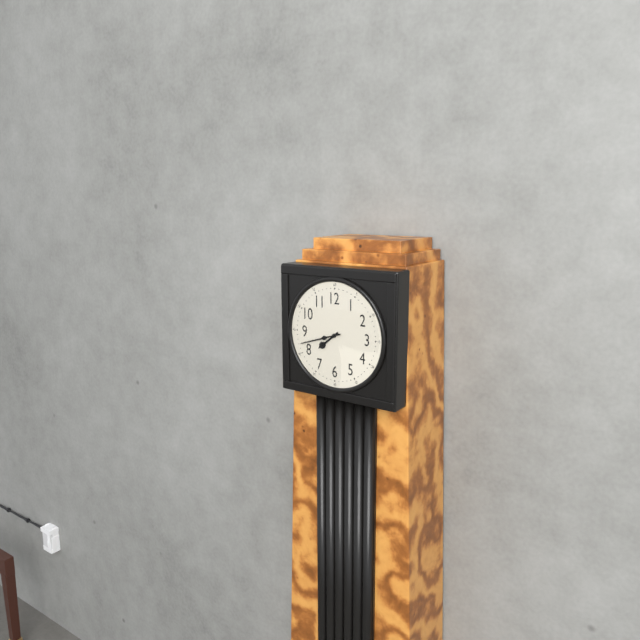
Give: 7:42
